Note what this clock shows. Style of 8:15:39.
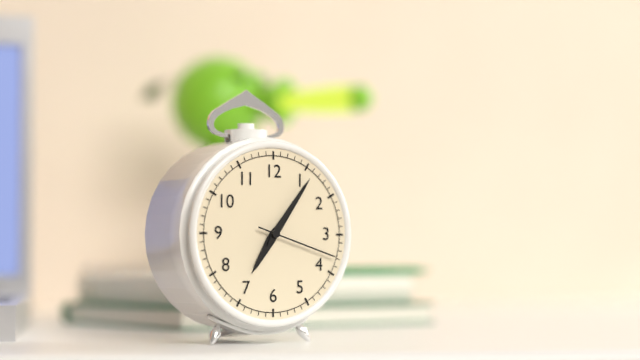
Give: 7:06:18
